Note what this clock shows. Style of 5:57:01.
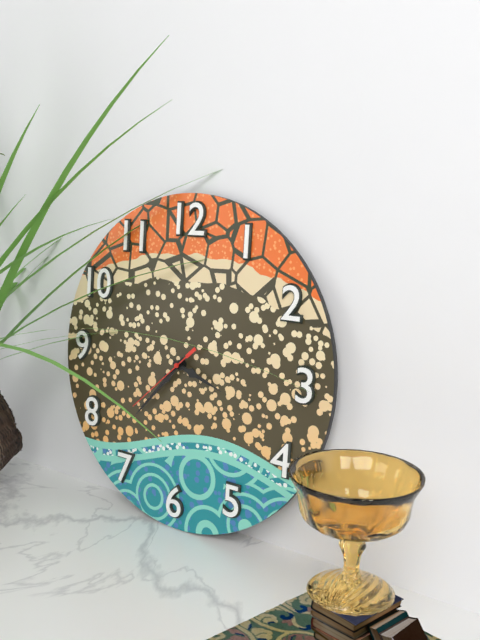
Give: 3:37:38
